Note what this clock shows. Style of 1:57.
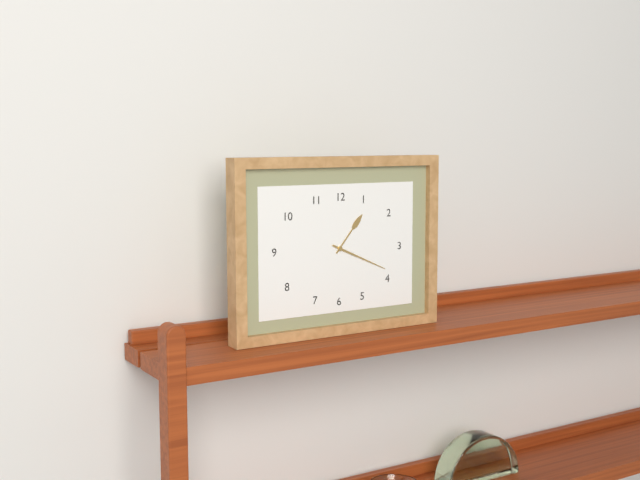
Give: 1:19
